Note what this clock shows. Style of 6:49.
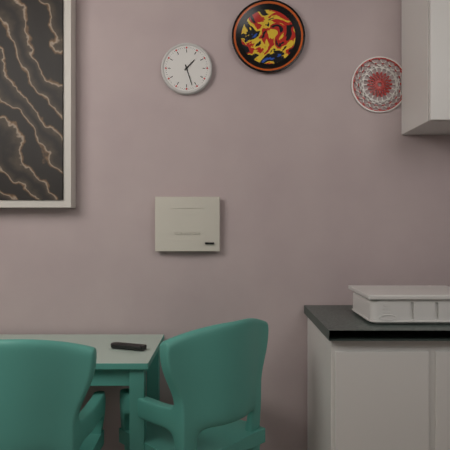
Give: 1:27
